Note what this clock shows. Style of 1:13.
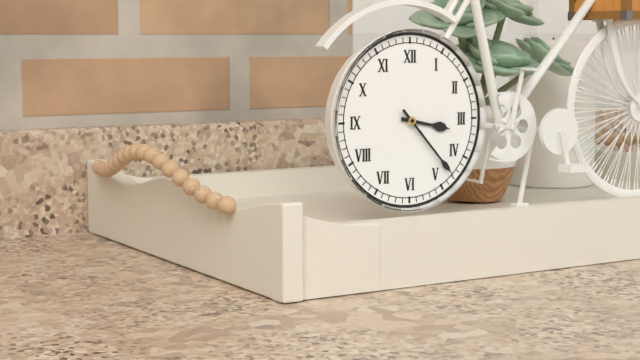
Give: 3:23
